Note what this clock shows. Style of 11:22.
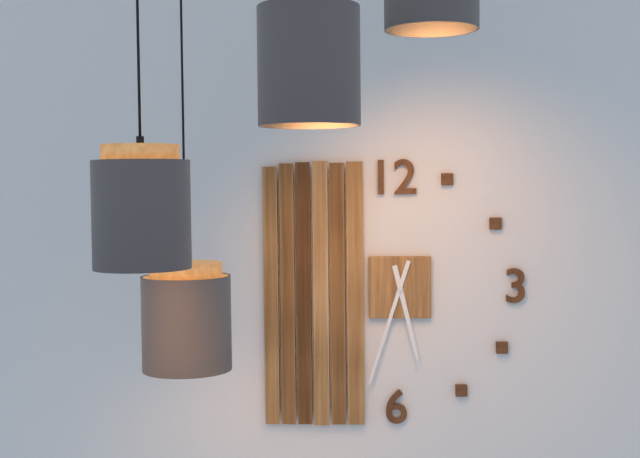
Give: 5:33
